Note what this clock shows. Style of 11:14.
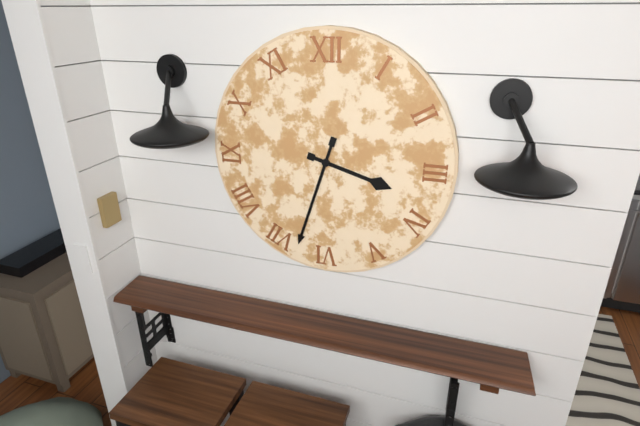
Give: 3:33
